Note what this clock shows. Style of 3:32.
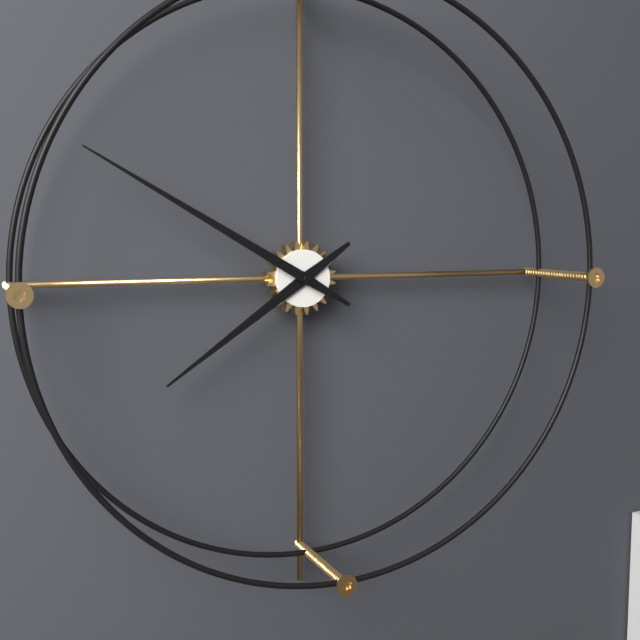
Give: 7:50
